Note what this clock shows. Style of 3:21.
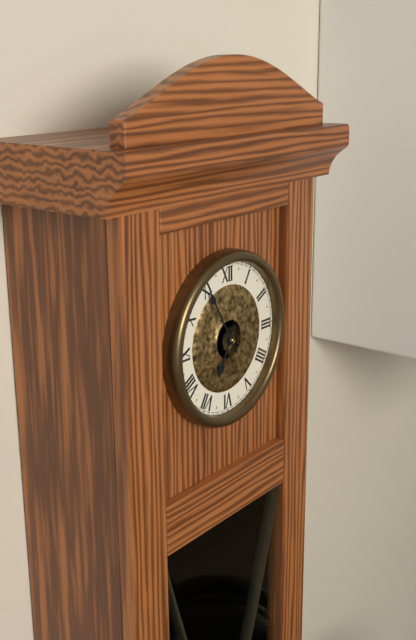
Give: 6:55
